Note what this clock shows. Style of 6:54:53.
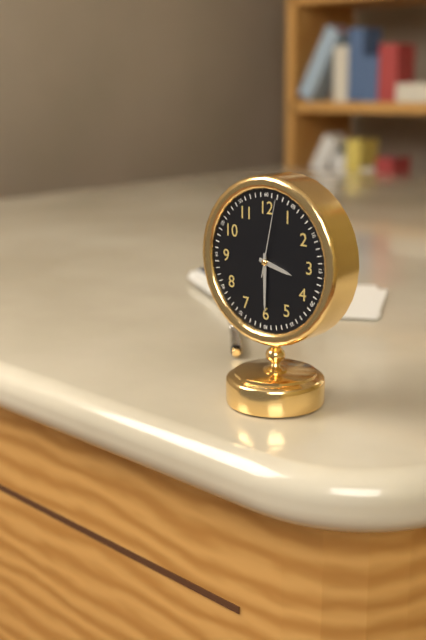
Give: 3:30:02
